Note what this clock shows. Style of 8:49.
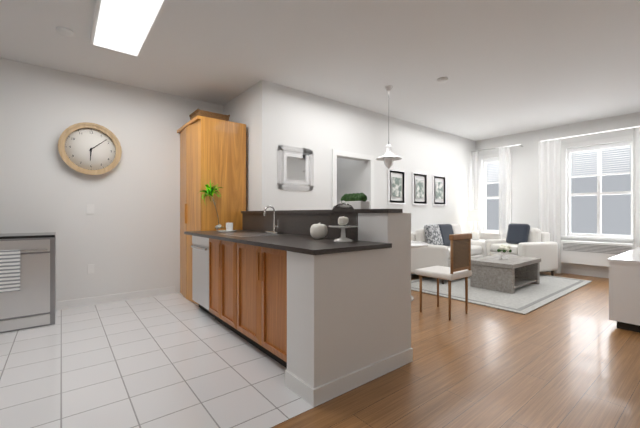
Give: 6:08
